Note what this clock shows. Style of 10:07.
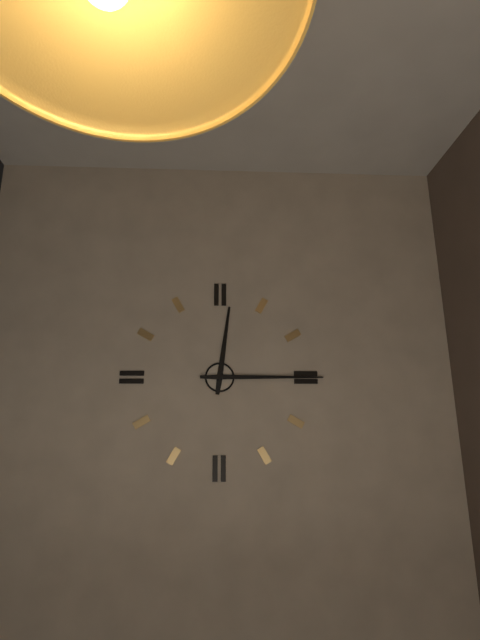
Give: 12:15
